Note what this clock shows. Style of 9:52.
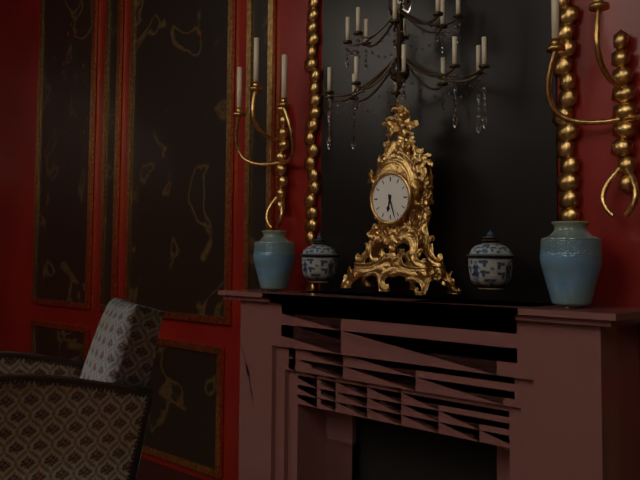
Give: 6:27
